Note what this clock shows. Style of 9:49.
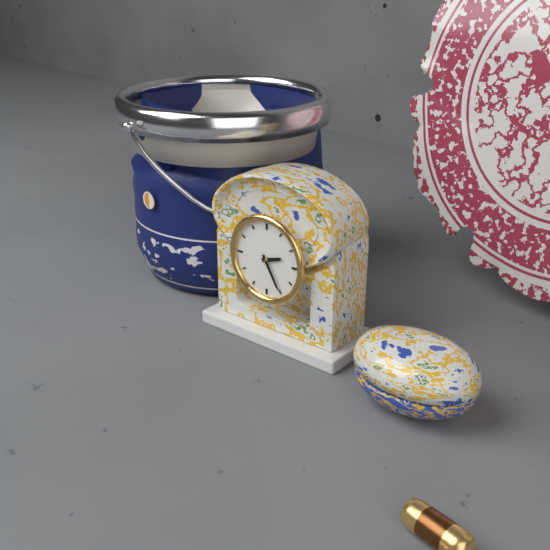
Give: 2:25
